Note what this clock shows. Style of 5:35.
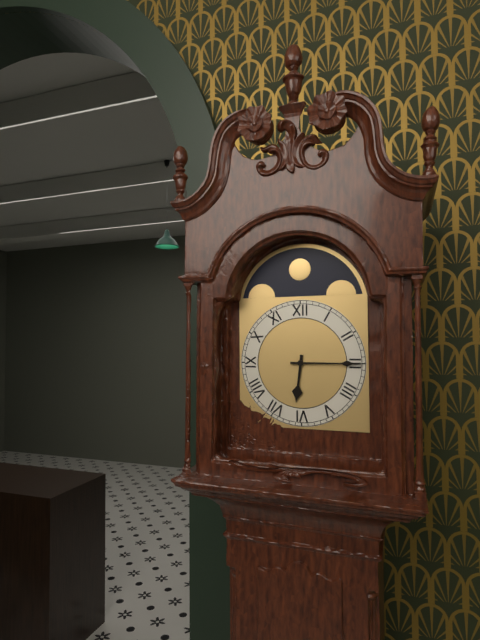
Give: 6:15
